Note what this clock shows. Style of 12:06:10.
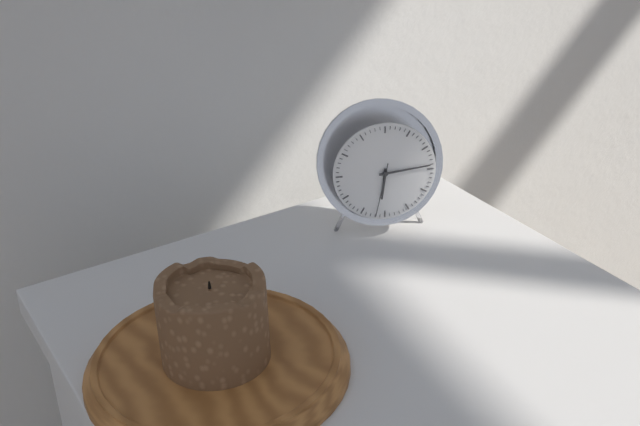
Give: 6:14:32
